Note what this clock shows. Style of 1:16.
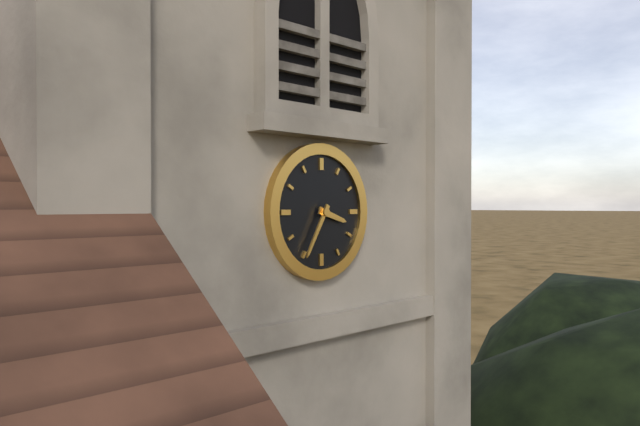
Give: 3:35
